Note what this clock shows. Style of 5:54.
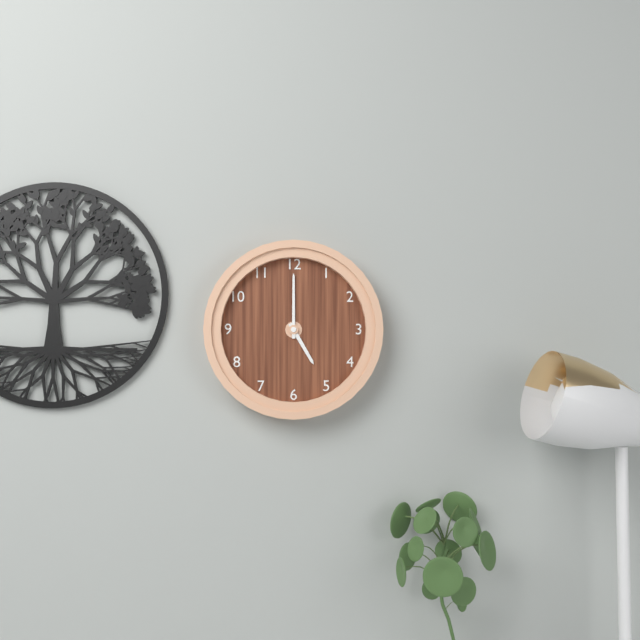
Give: 5:00
